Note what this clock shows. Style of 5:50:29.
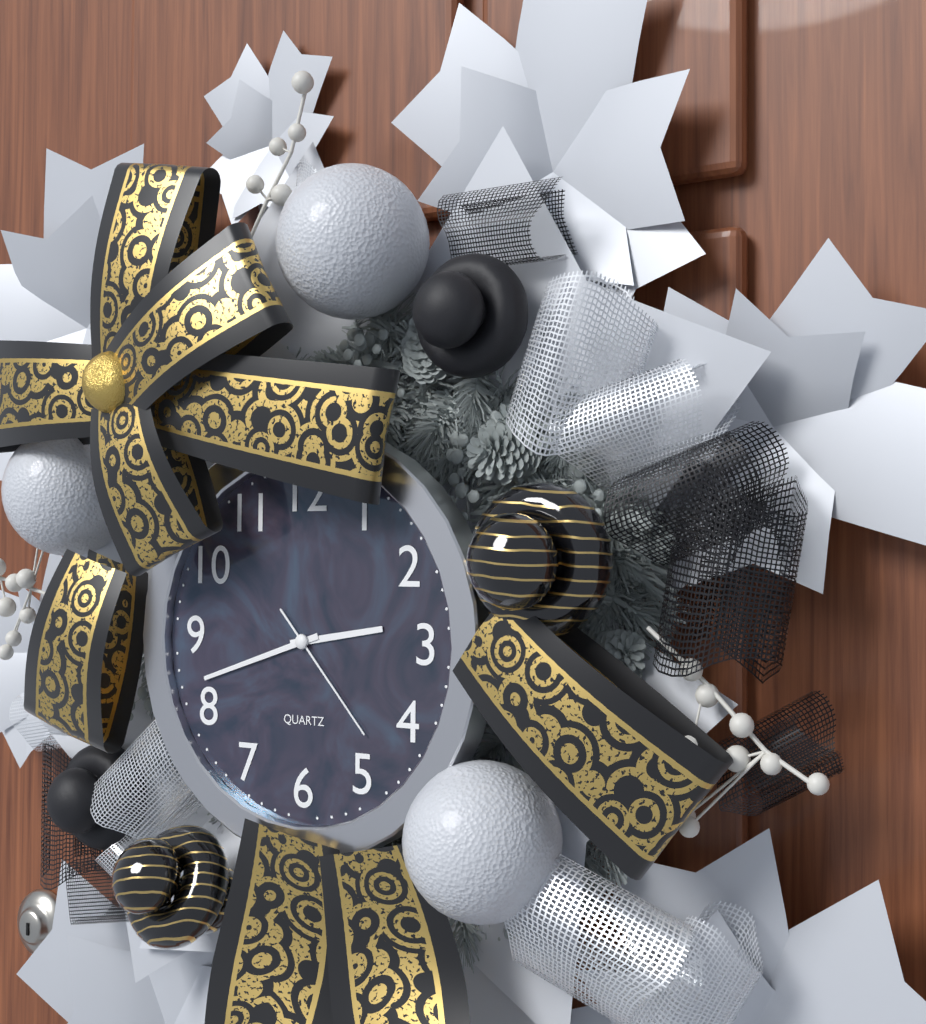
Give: 2:42:23
